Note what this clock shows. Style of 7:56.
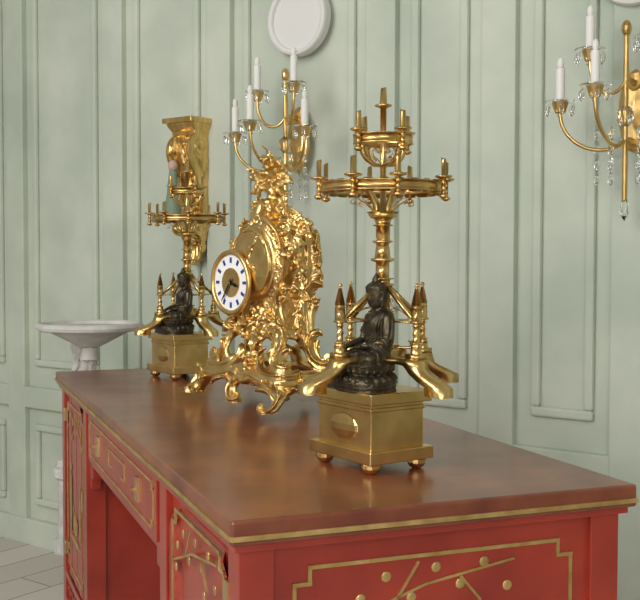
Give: 3:36
